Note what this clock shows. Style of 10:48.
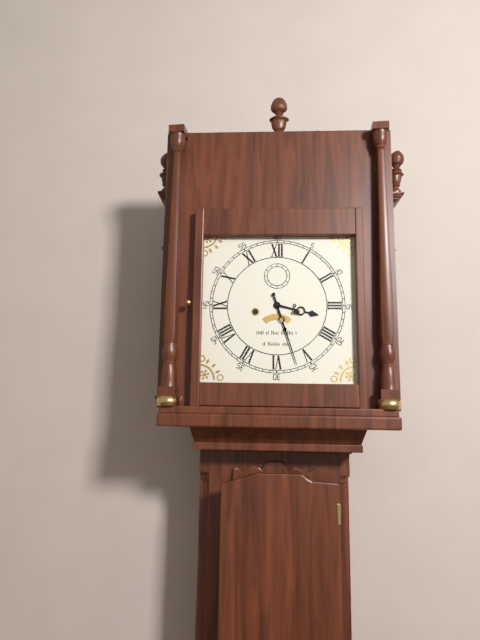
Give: 3:27
